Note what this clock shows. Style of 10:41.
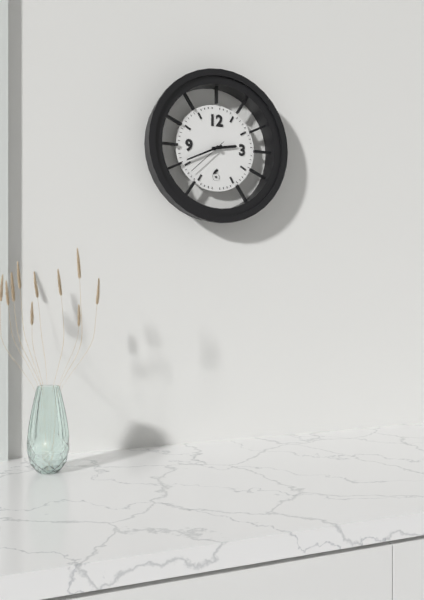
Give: 2:41
